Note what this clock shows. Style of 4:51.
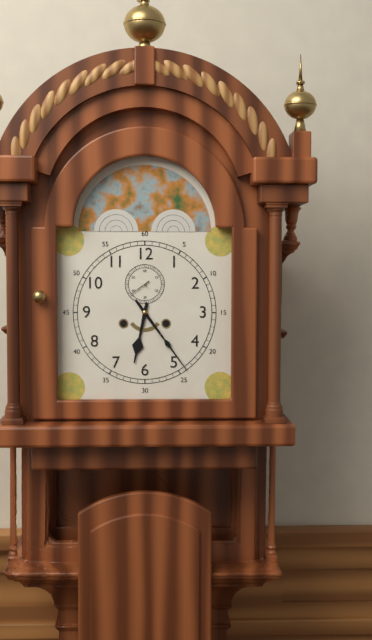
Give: 6:24
